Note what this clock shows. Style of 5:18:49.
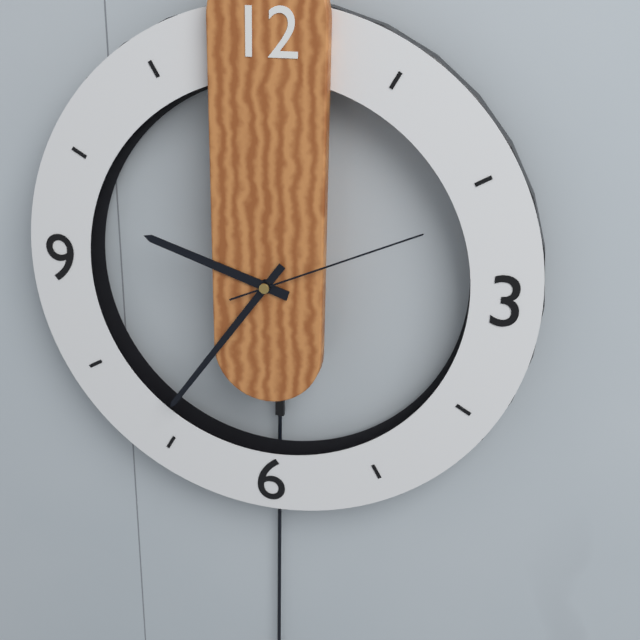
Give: 9:36:11
